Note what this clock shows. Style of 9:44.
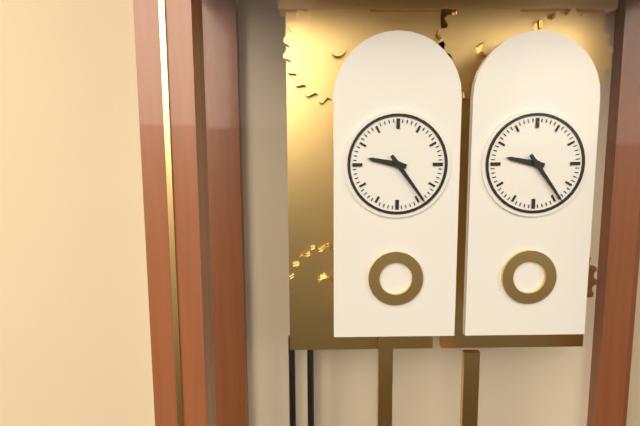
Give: 9:24
